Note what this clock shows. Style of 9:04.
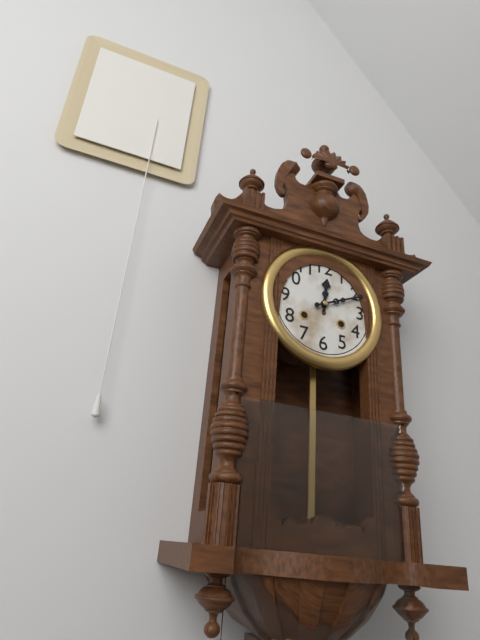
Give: 12:11
